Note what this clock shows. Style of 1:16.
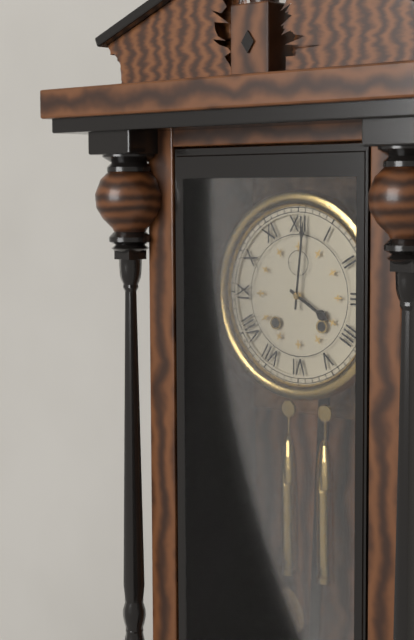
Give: 4:01
